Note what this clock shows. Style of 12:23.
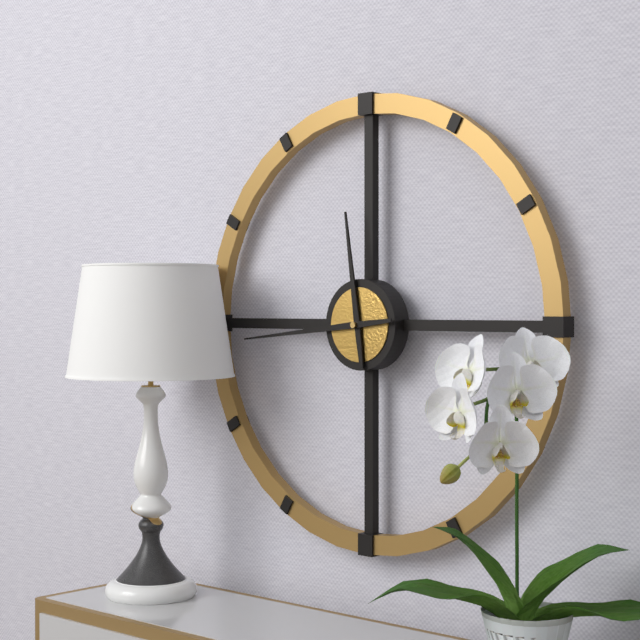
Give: 11:44
